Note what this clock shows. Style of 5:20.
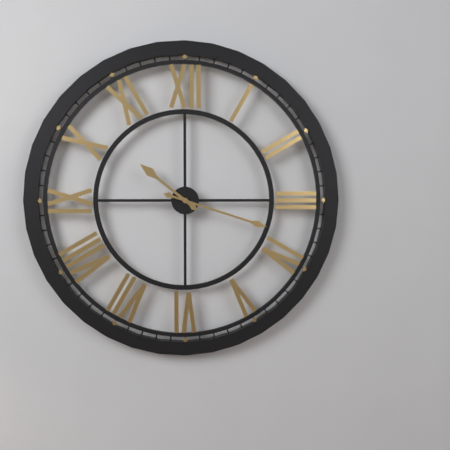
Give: 10:18
